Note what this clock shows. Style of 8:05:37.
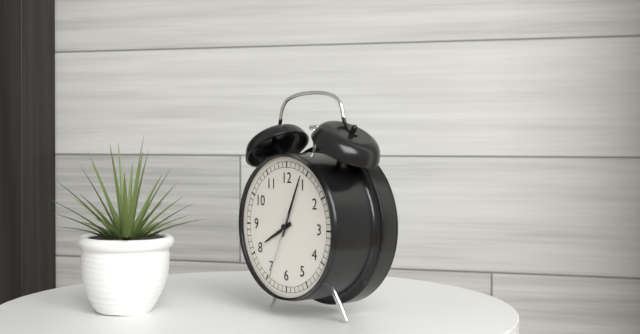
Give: 8:04:34
